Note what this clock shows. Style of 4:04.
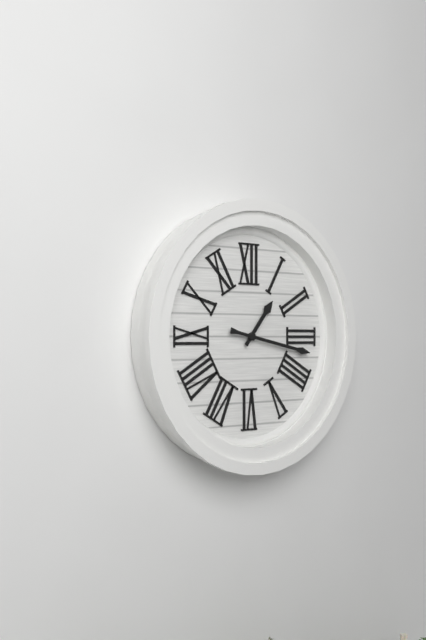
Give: 1:17
